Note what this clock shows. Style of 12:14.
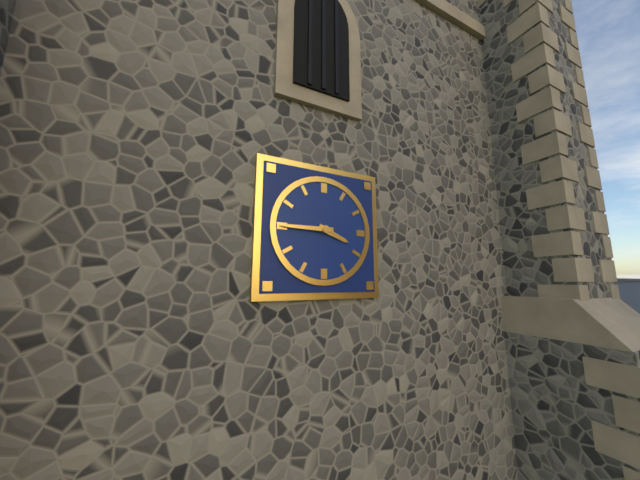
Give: 3:45
